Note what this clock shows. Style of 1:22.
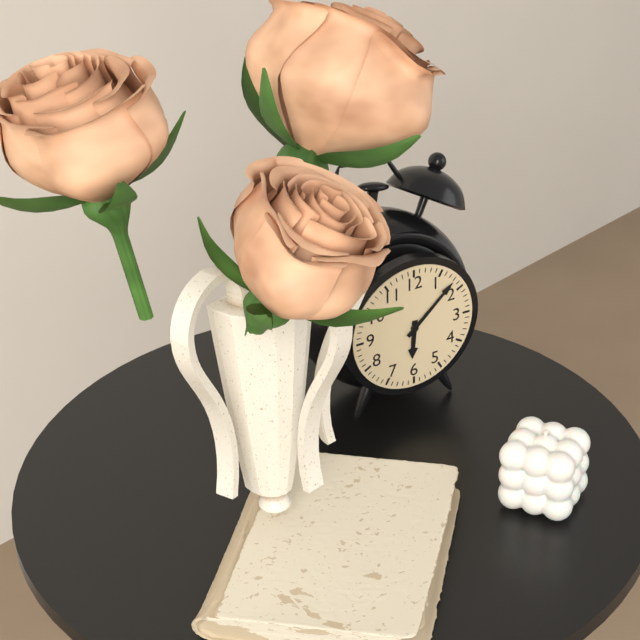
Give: 6:08
